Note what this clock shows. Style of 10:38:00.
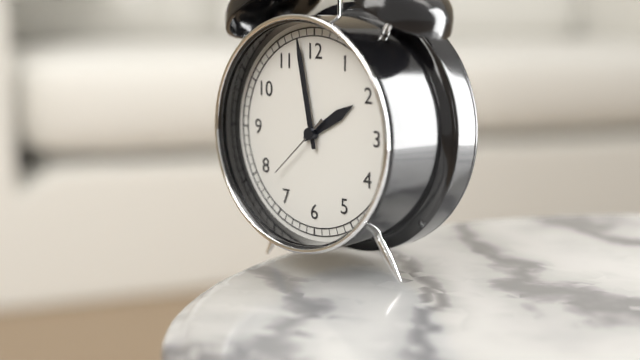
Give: 1:58:38
